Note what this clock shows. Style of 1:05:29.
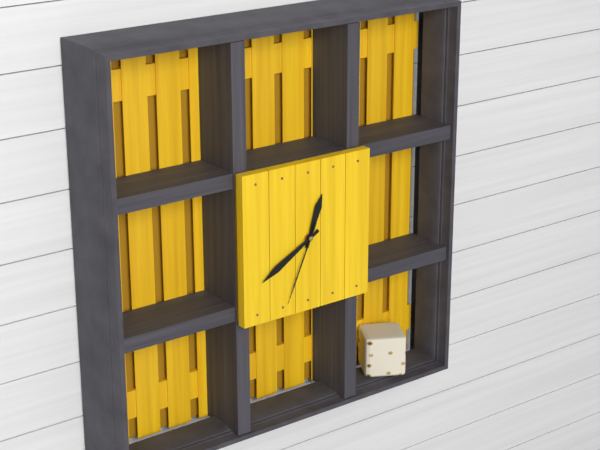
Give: 12:40:34
